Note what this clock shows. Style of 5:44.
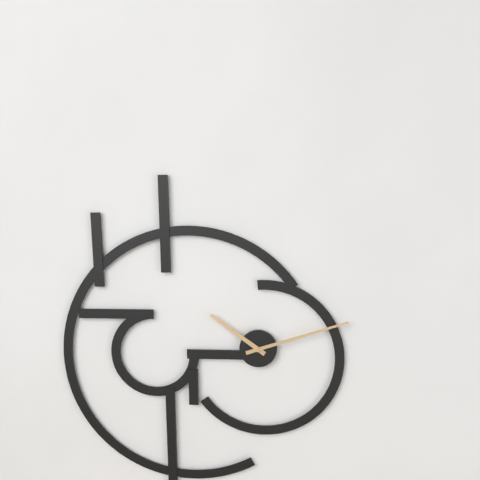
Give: 10:12
